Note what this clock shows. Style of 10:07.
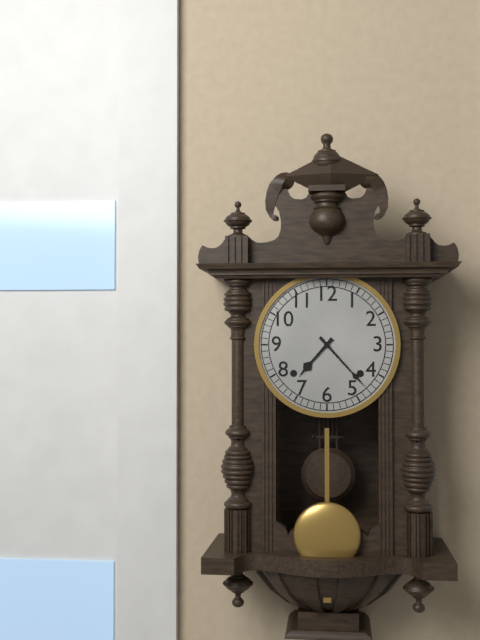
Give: 7:23
